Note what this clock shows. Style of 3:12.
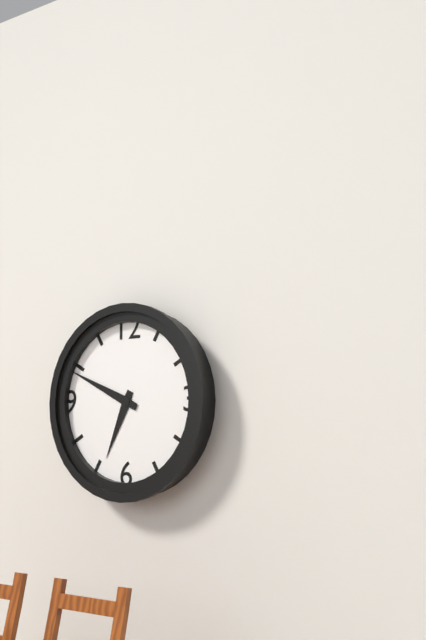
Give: 6:49
